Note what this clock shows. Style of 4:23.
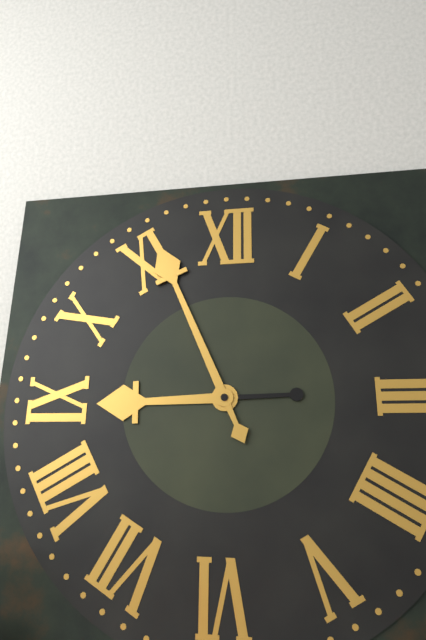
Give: 8:56
